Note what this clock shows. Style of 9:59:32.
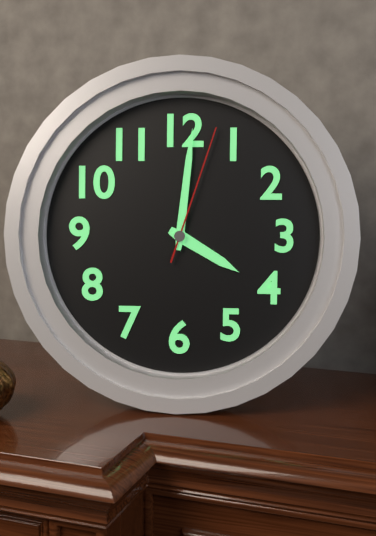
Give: 4:01:03
